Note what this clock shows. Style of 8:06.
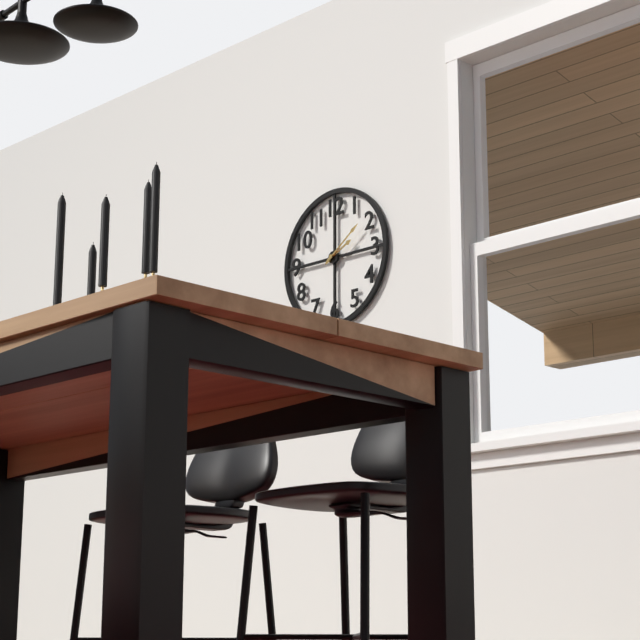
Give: 2:09
